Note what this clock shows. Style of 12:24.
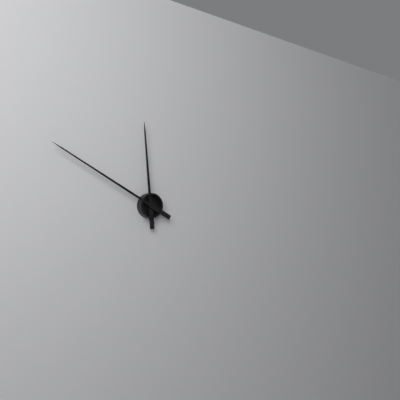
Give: 11:50
